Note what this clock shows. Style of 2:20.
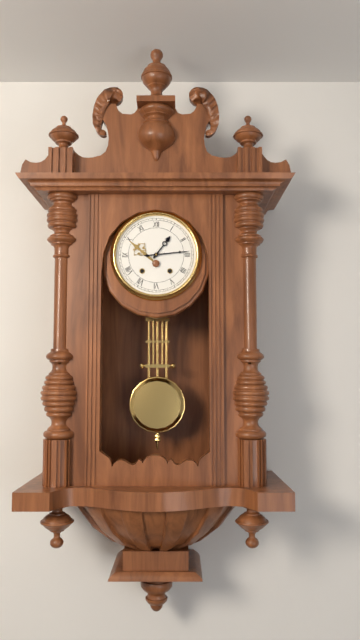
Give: 1:14
